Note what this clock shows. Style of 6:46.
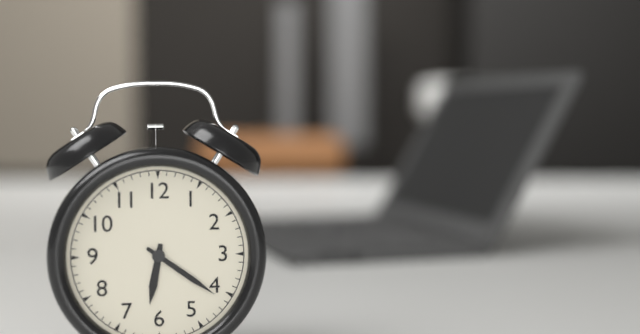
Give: 6:21
